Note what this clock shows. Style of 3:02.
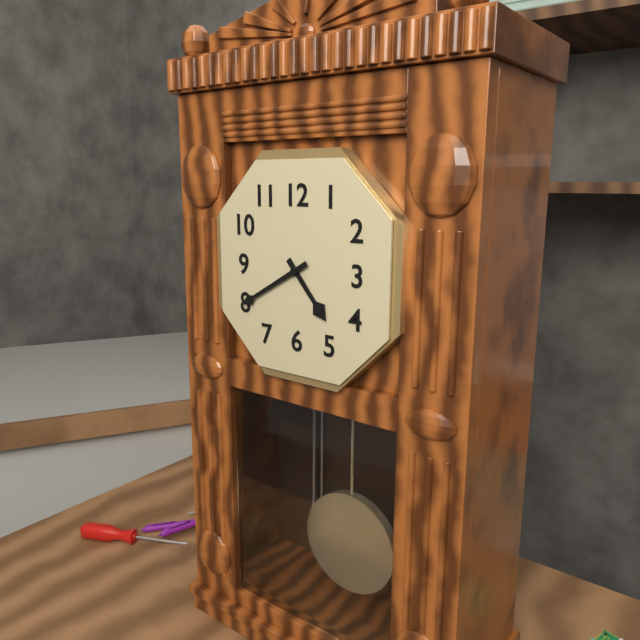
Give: 4:40
